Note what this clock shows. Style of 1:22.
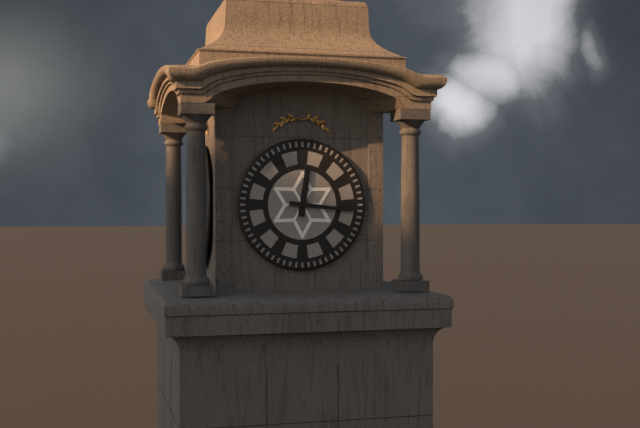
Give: 12:16
